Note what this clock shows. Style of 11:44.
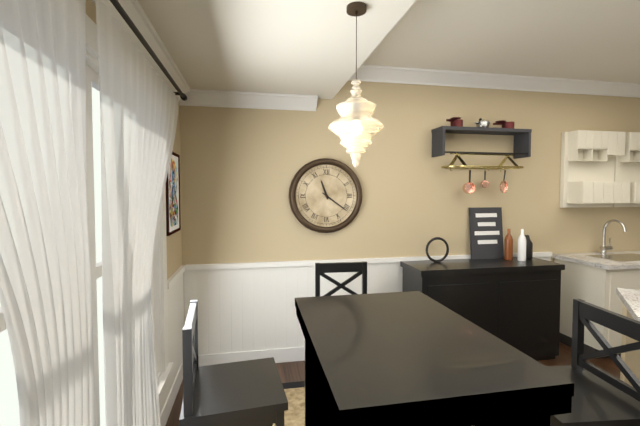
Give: 11:21
